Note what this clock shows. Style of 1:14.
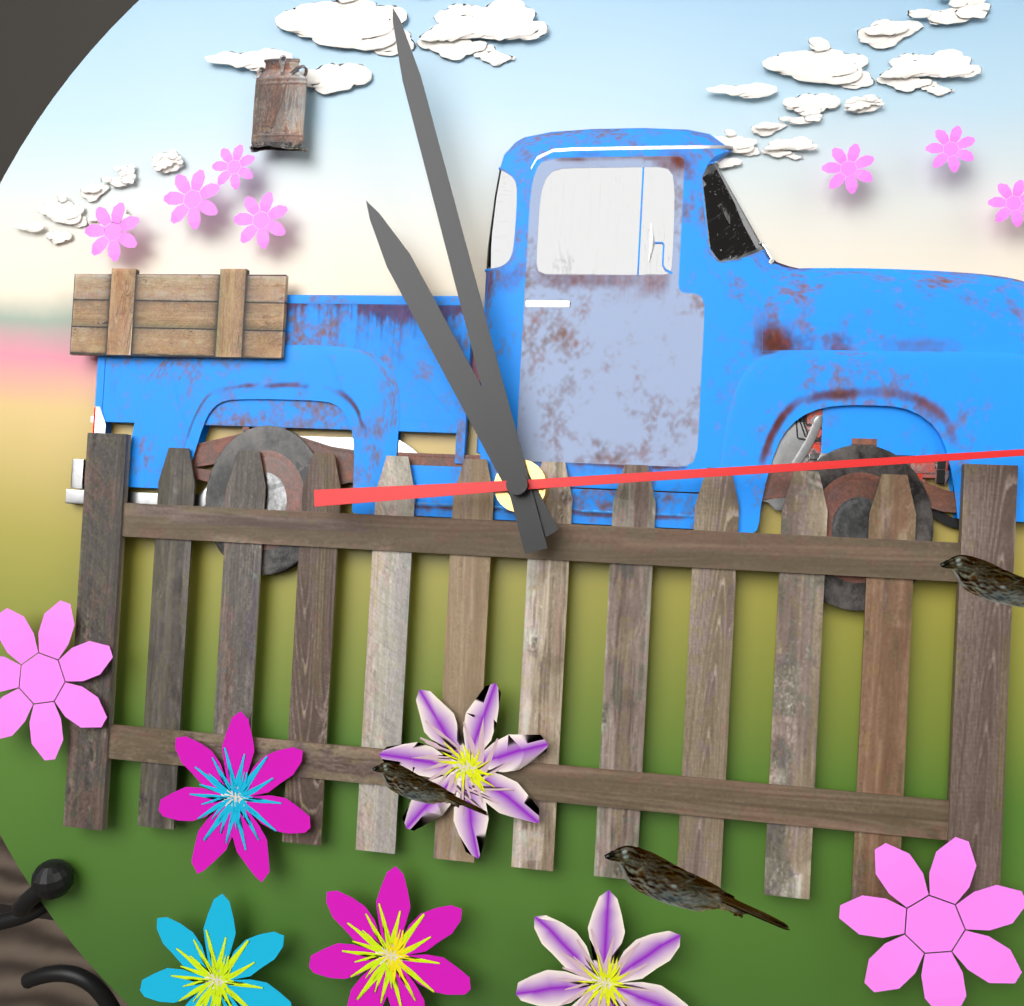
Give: 10:57
